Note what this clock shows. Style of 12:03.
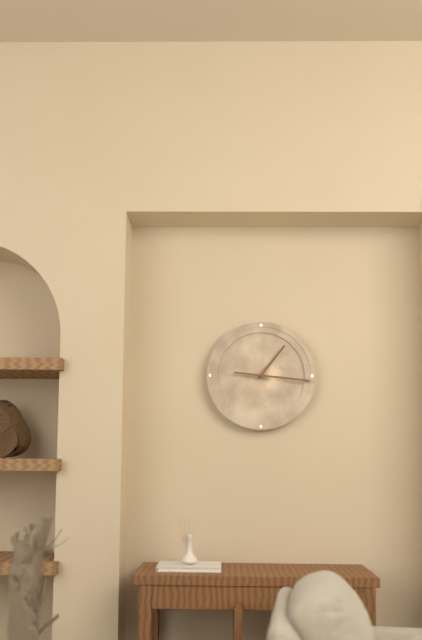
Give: 1:16
